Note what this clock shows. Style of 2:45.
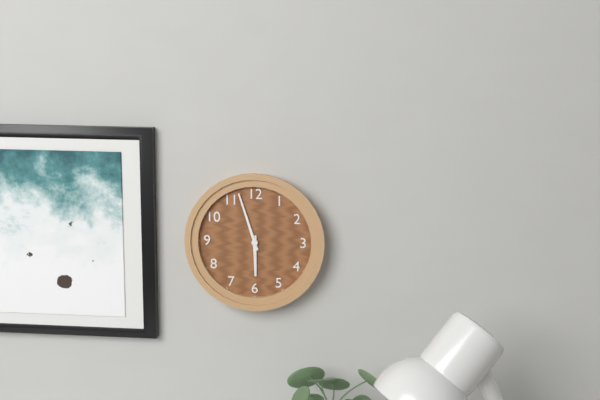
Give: 5:57
